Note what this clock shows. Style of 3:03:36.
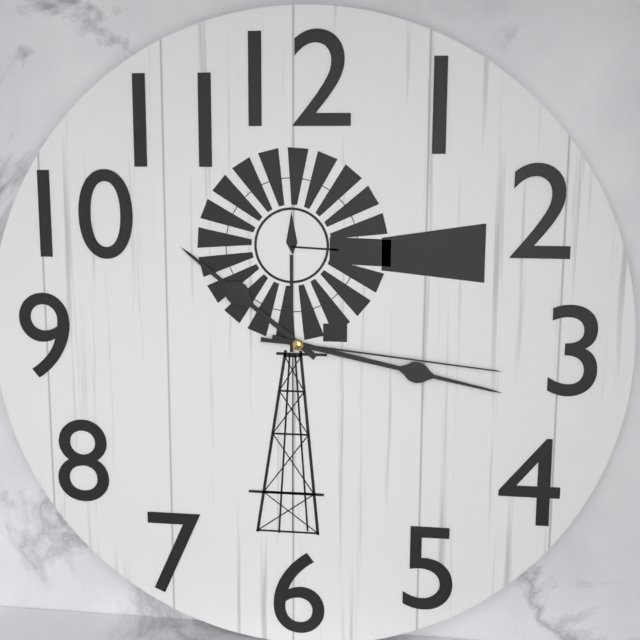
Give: 10:17:16
